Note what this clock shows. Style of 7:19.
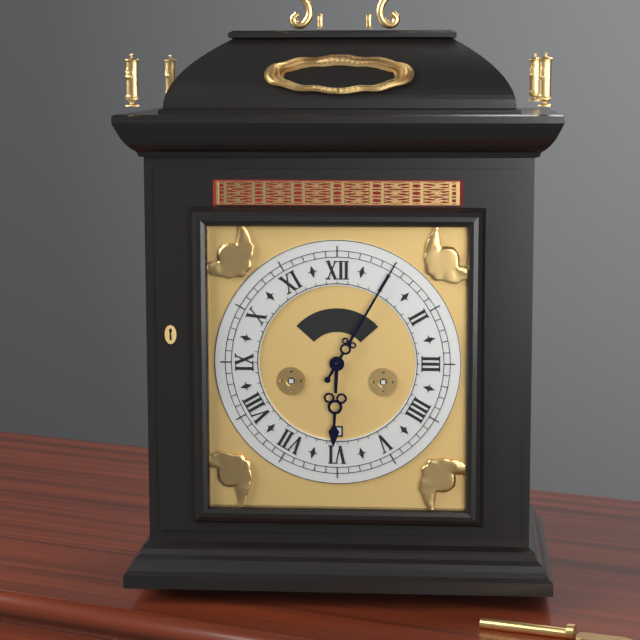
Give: 6:05
